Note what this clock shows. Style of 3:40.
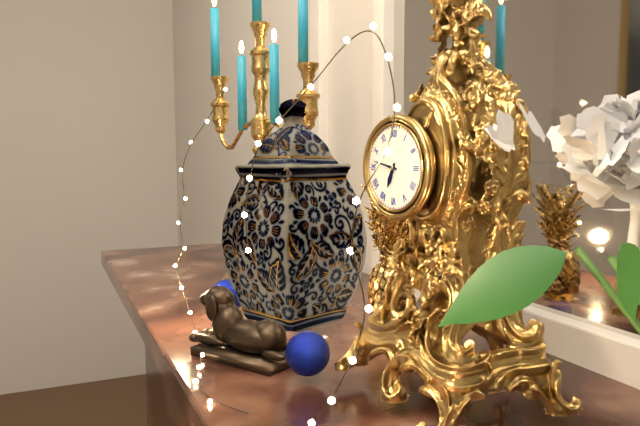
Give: 6:47
